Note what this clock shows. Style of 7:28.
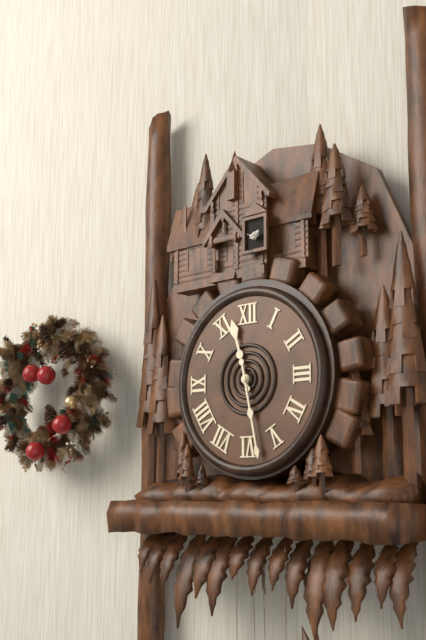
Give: 11:28
